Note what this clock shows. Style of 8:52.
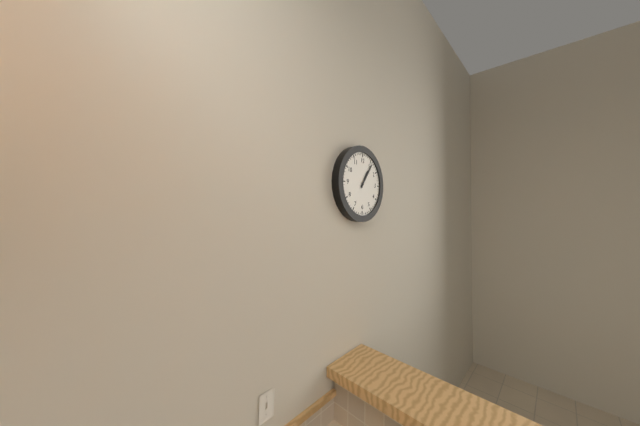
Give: 1:06
